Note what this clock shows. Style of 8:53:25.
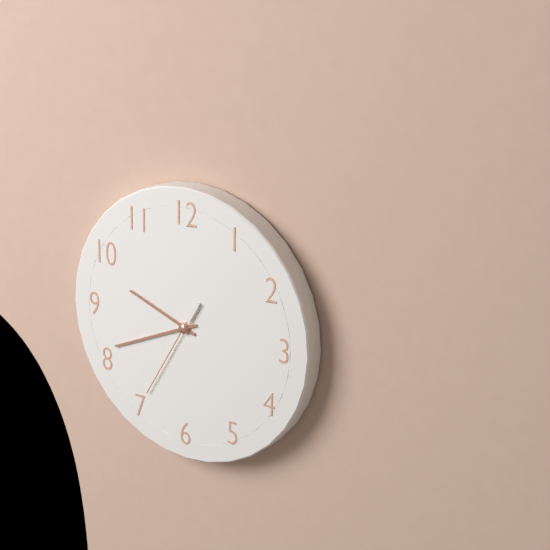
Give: 9:41:35
